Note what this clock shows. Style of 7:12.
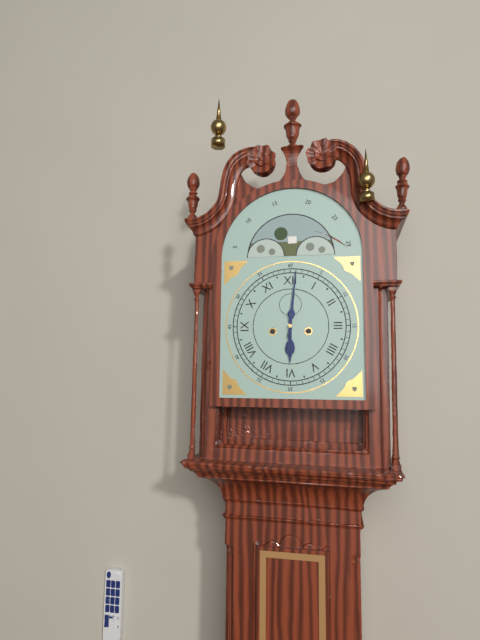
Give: 6:01
